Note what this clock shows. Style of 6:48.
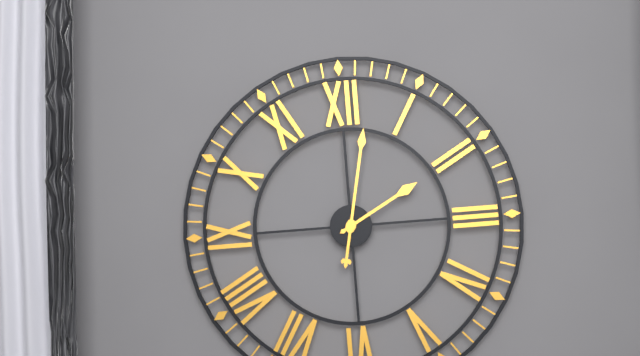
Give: 2:02
